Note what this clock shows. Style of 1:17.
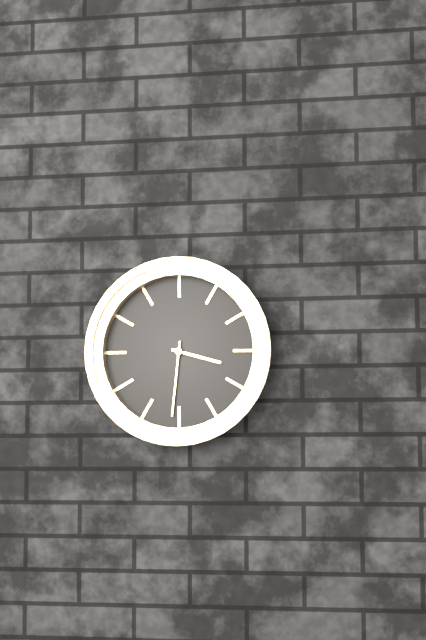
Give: 3:31
